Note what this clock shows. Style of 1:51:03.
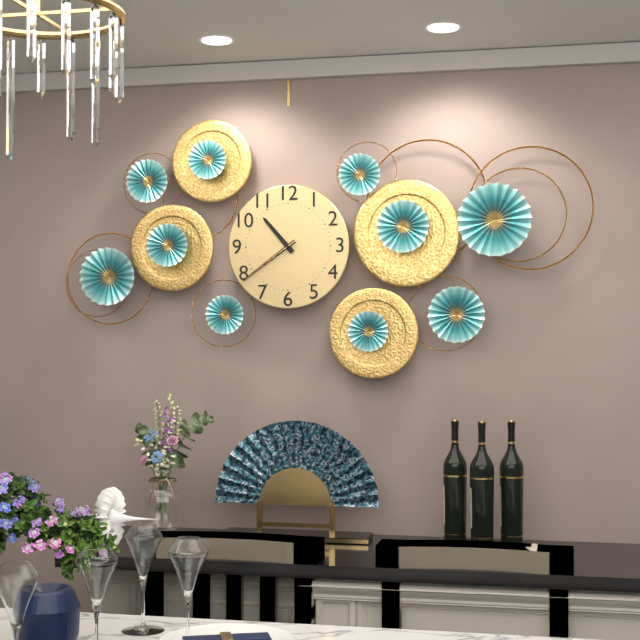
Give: 10:39:39
